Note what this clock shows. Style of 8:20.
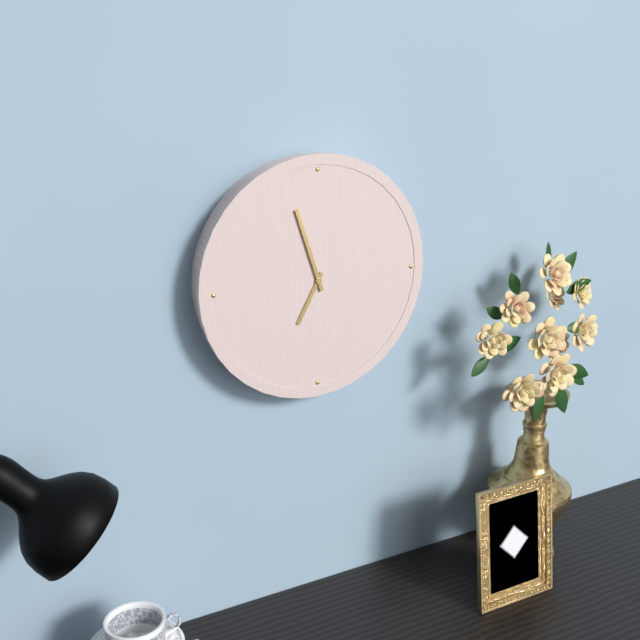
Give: 6:57
